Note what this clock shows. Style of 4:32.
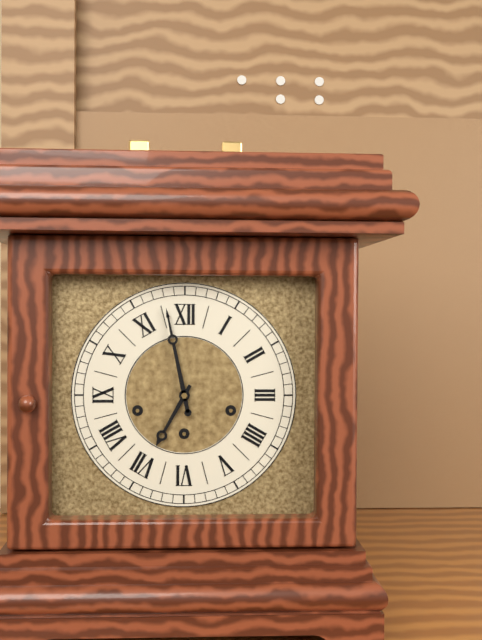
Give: 6:58
